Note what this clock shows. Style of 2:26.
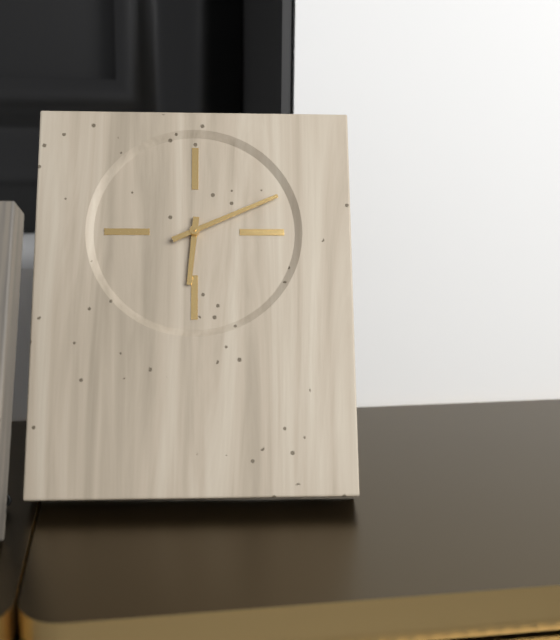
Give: 6:11
